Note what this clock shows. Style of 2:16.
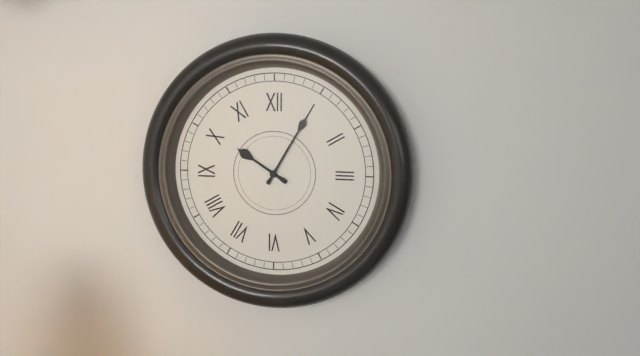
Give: 10:05
